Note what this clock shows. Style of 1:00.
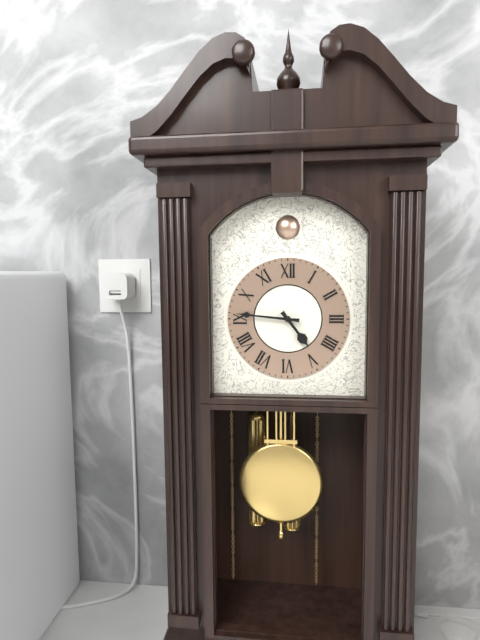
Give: 4:46
